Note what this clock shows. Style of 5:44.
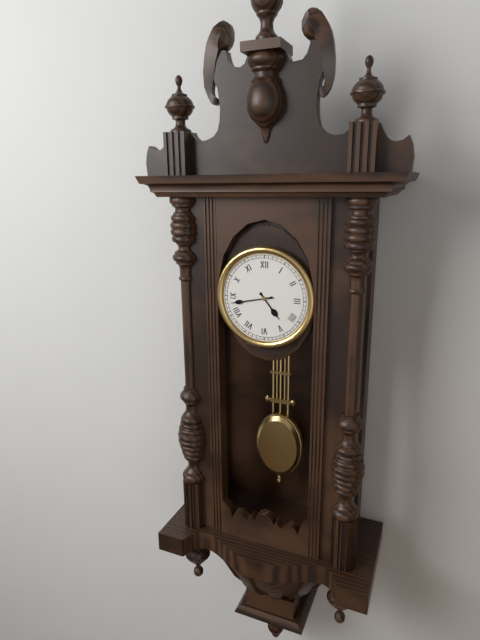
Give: 4:43
